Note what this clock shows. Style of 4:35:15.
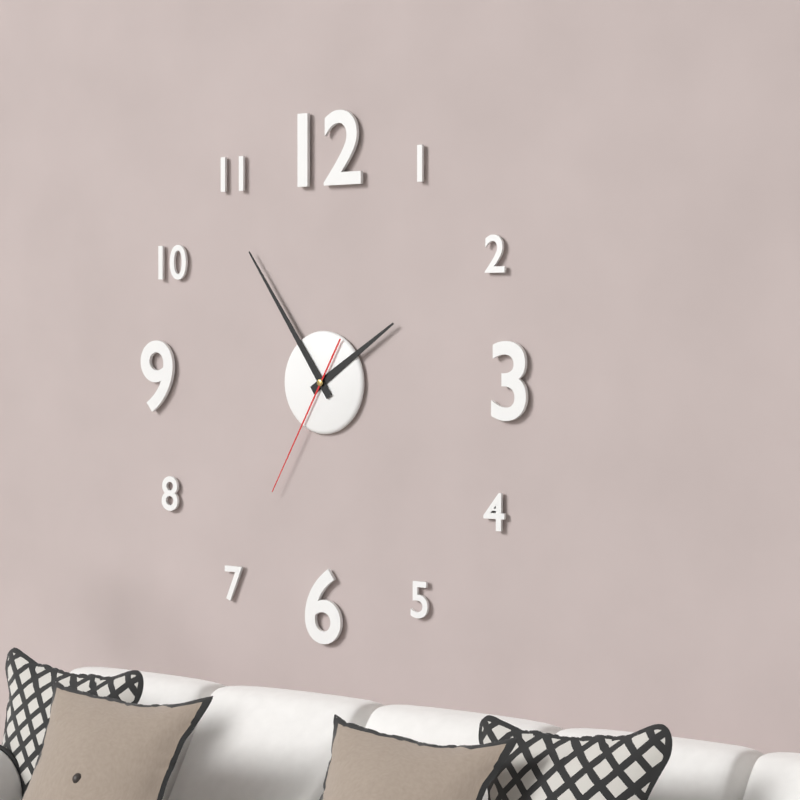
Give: 1:54:35
